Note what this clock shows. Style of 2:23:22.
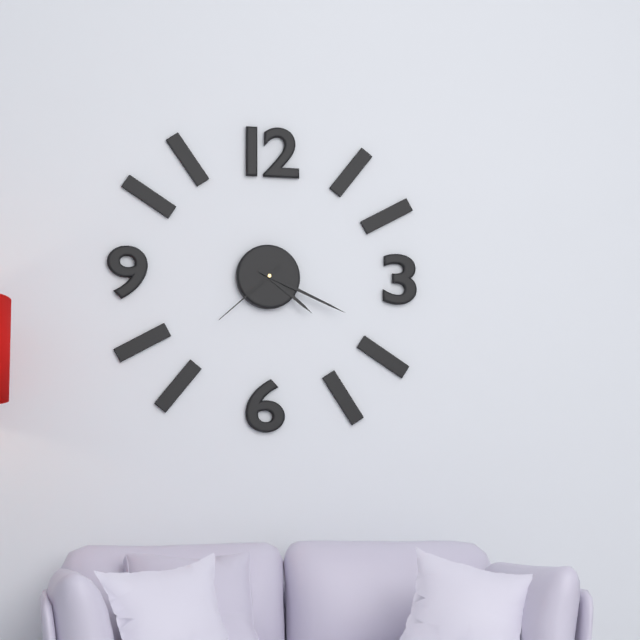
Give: 4:19:38
